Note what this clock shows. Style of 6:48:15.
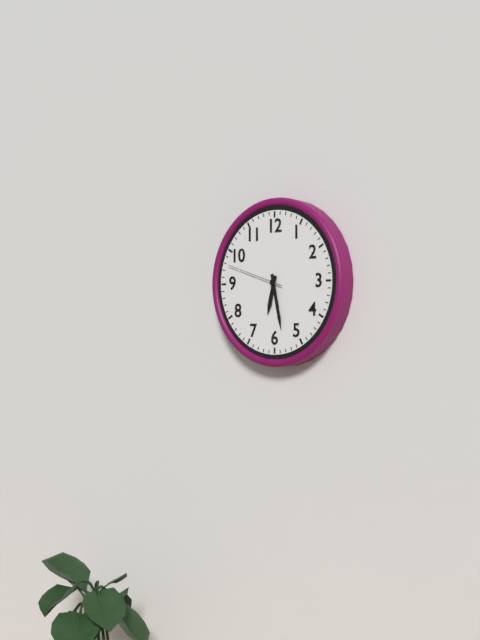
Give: 6:28:48
